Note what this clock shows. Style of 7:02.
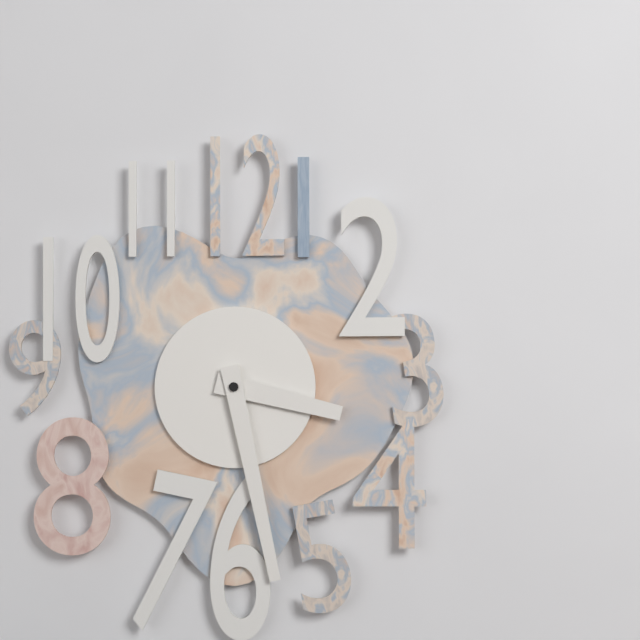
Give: 3:28
